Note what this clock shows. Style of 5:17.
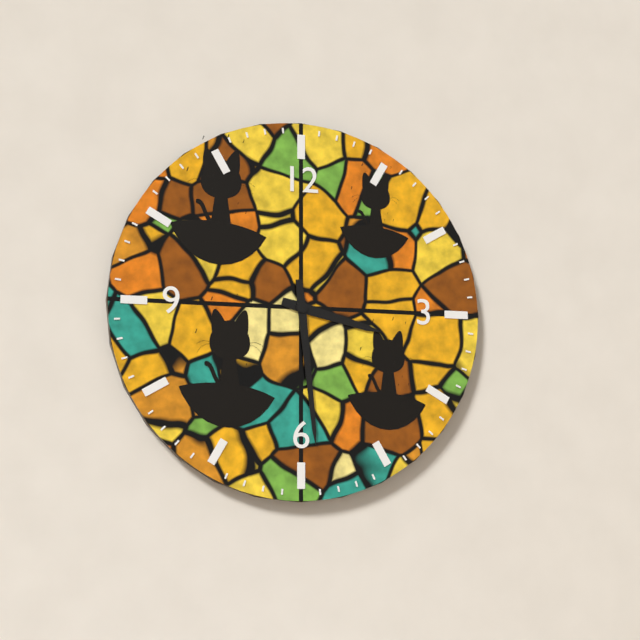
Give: 3:29
